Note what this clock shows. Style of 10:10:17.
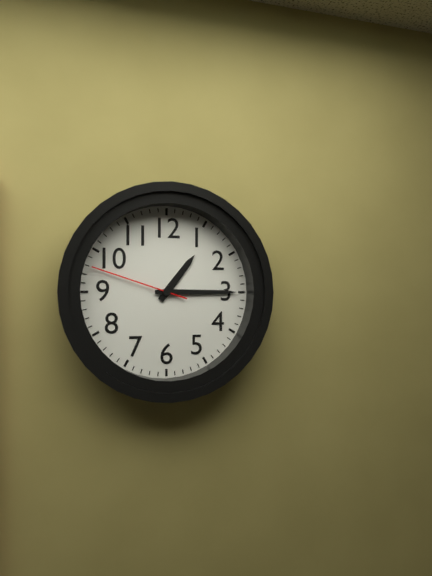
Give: 1:15:48
